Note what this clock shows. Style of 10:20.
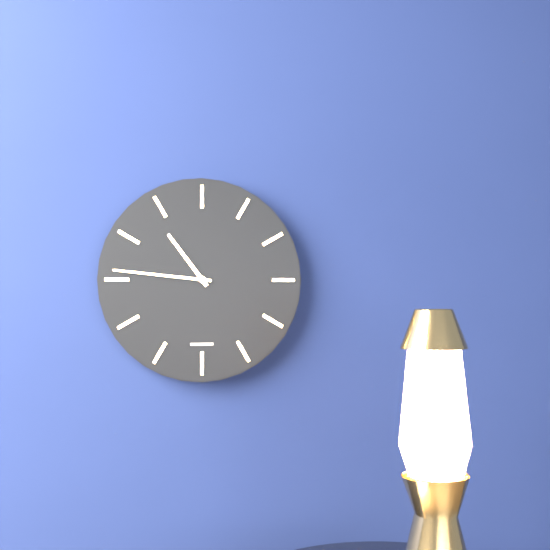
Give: 10:46
